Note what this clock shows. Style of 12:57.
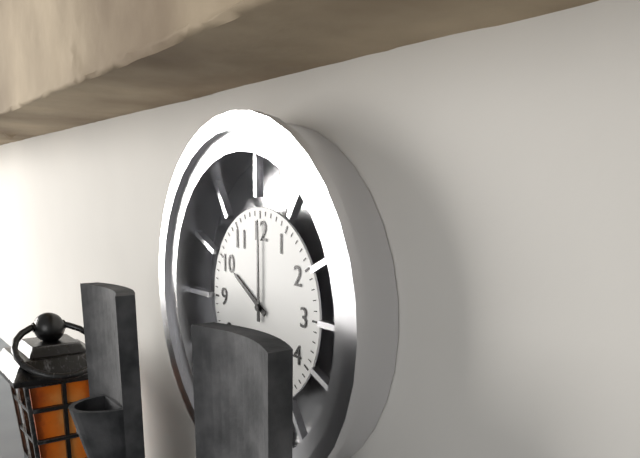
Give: 10:00
